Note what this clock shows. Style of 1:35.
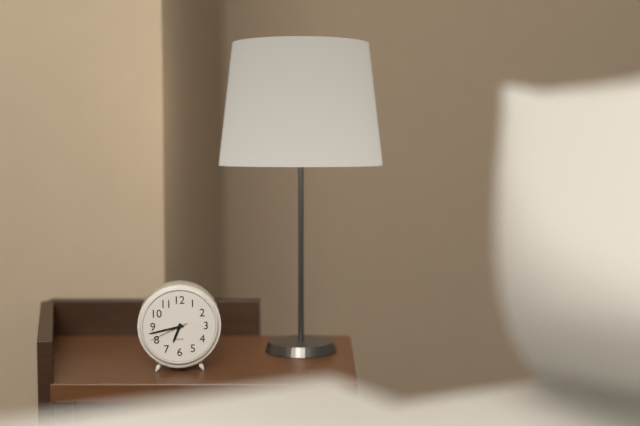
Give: 6:43
